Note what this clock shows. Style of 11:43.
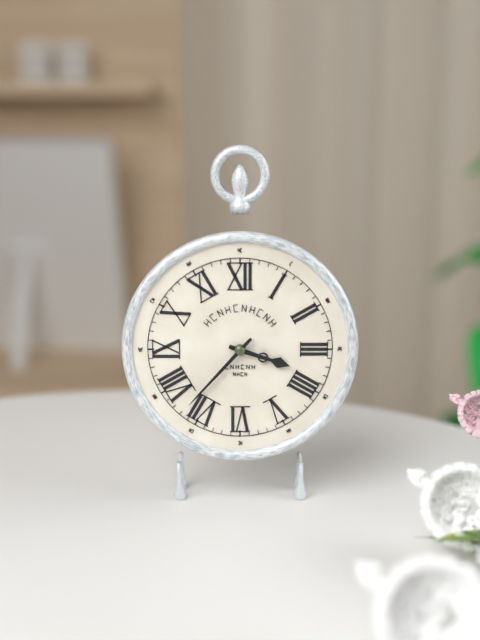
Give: 3:37
